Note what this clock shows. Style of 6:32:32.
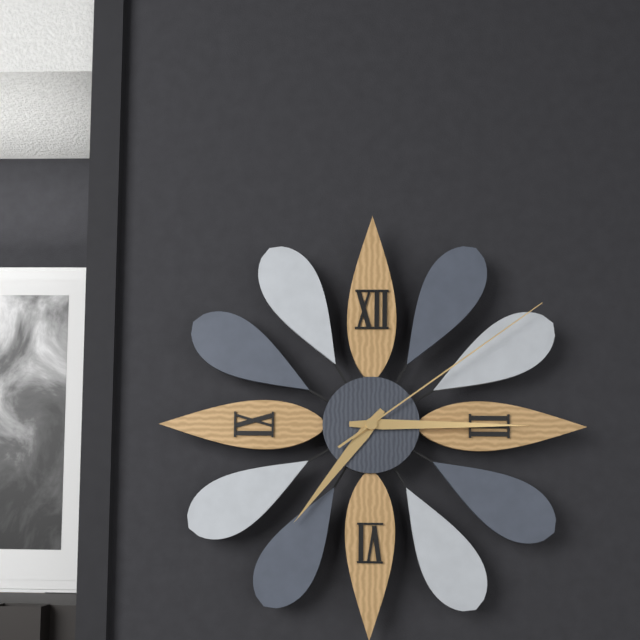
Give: 7:15:09
